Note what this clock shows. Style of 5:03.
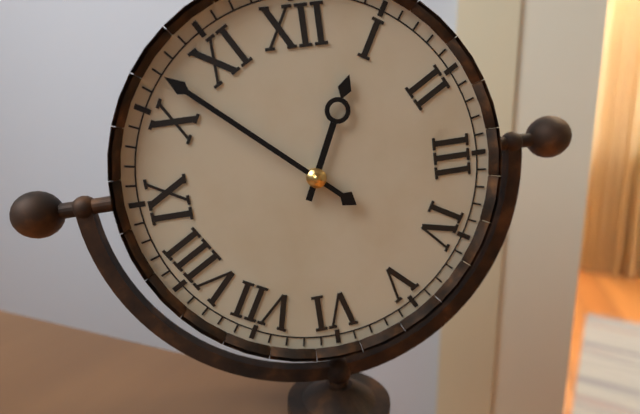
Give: 12:52
